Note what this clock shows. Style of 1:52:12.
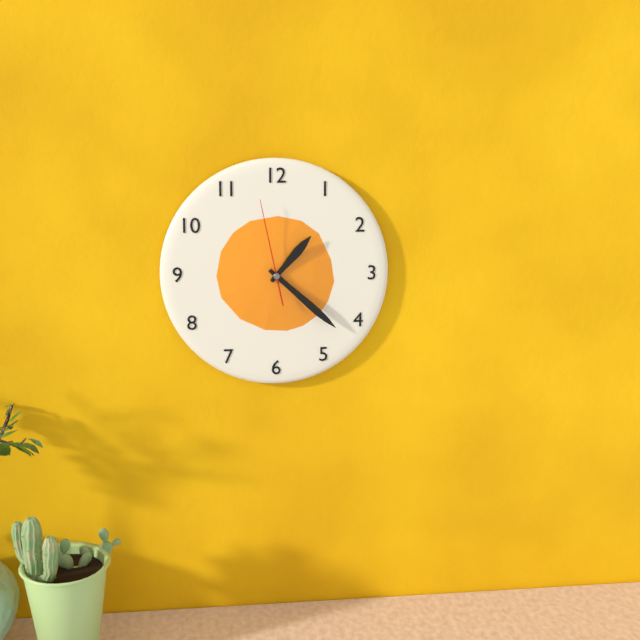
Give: 1:22:58
